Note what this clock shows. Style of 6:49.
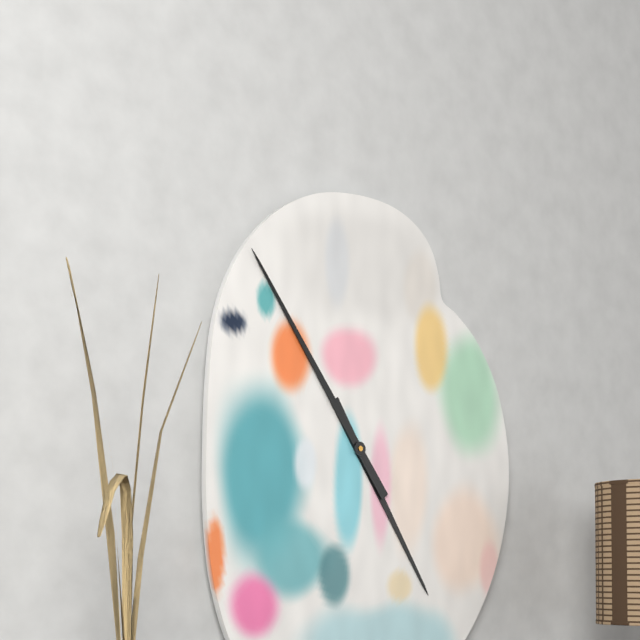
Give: 4:54
